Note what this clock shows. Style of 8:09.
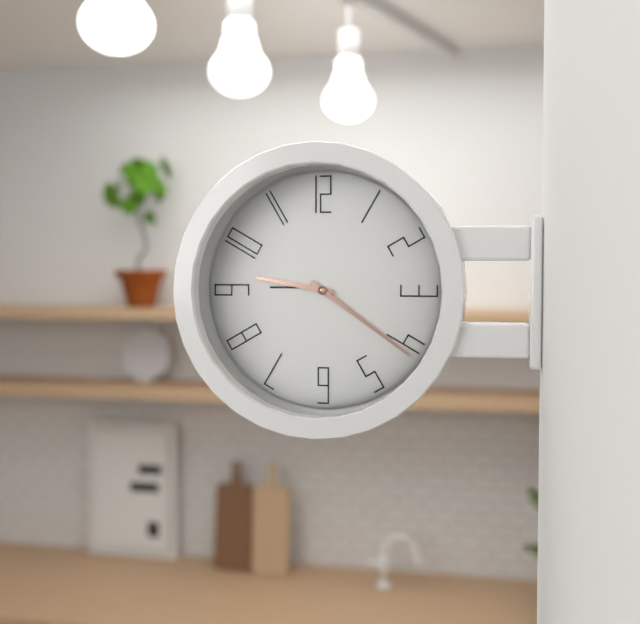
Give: 9:21
